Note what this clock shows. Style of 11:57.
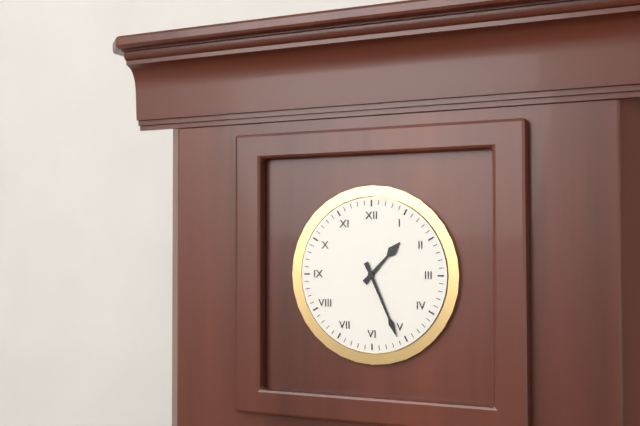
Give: 1:26
